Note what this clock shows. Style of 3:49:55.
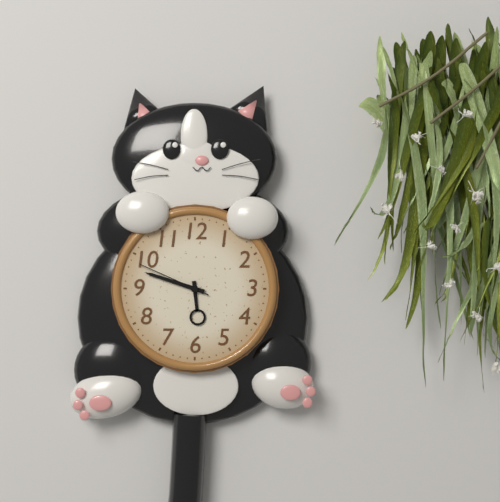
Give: 5:48:49
